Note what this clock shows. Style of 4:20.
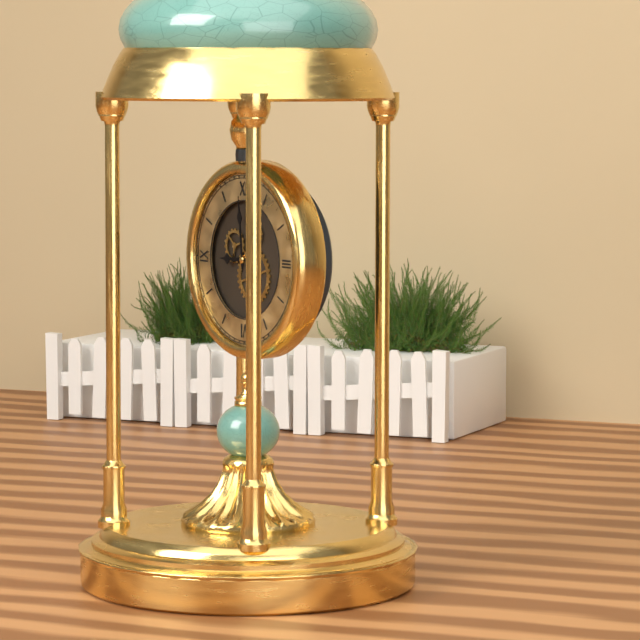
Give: 8:59
